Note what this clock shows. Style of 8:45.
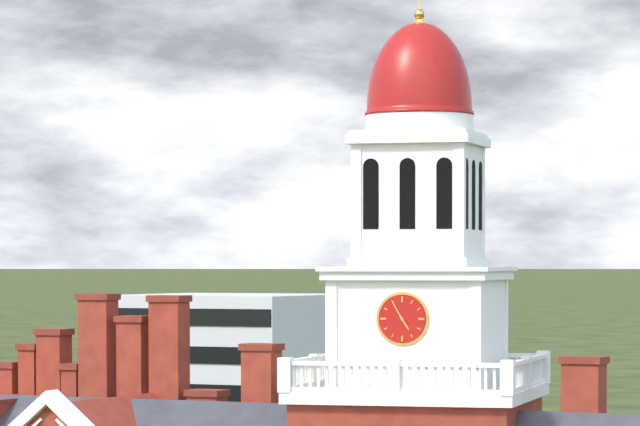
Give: 4:55
